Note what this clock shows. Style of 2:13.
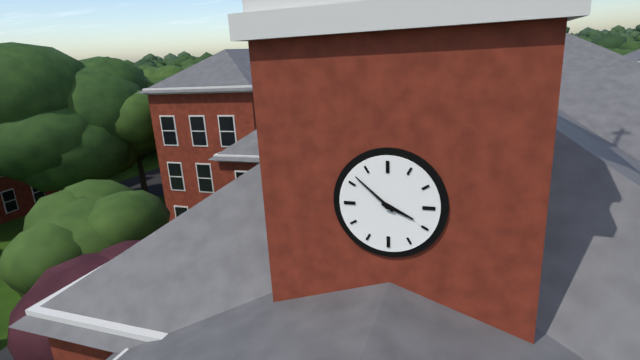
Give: 3:52
